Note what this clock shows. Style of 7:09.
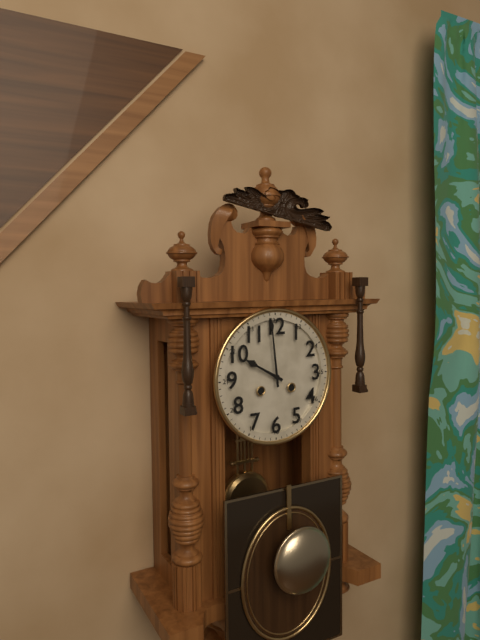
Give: 9:59
